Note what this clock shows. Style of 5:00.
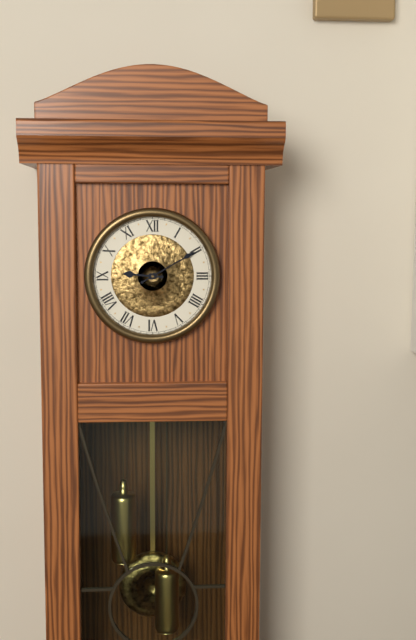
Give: 9:10
